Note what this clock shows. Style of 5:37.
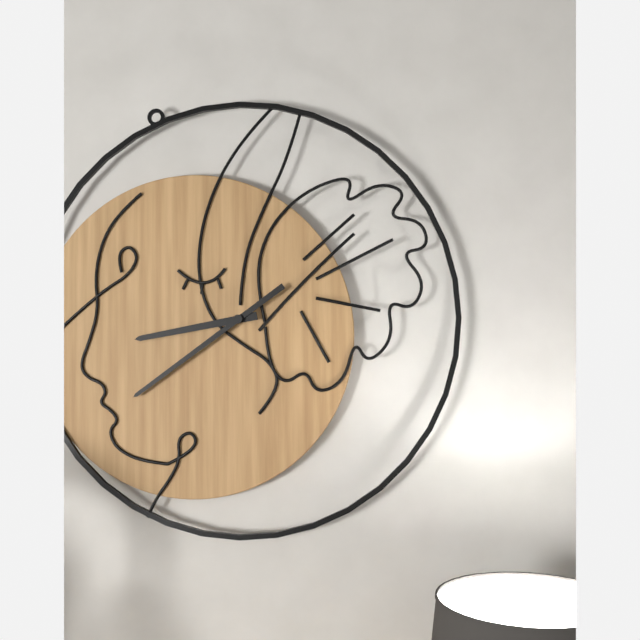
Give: 8:39
